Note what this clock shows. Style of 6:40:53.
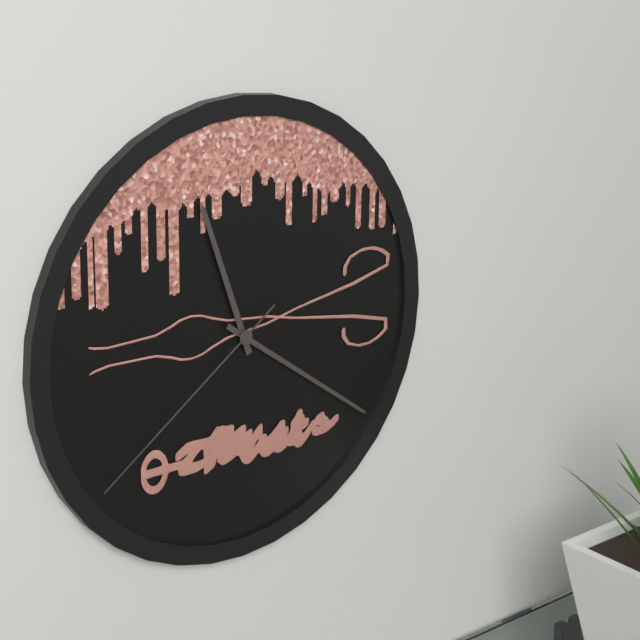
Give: 11:21:39
